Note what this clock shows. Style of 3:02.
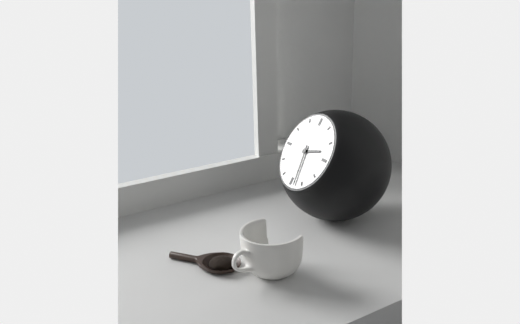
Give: 2:28
